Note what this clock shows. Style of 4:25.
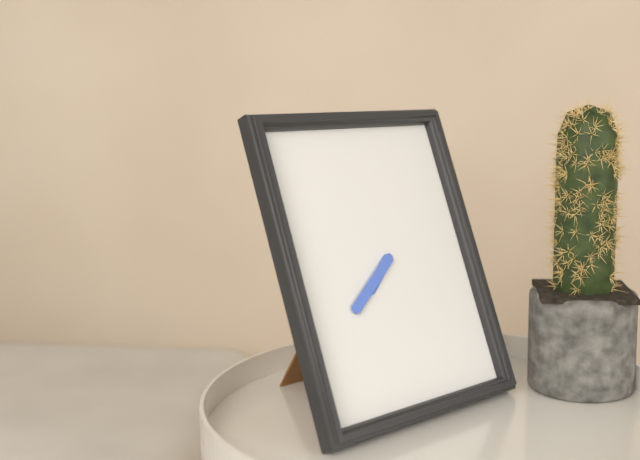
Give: 7:39
